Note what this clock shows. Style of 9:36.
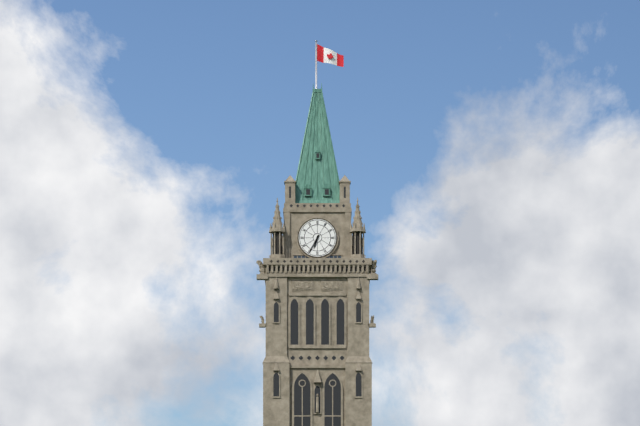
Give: 6:35
